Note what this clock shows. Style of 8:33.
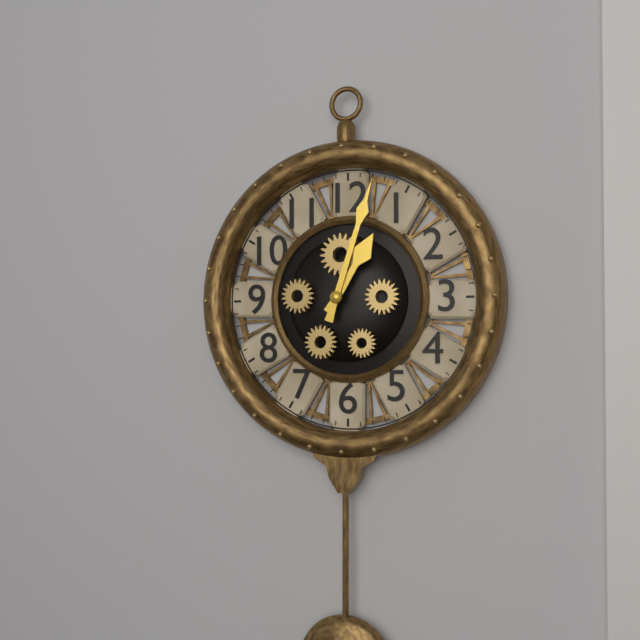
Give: 1:03
